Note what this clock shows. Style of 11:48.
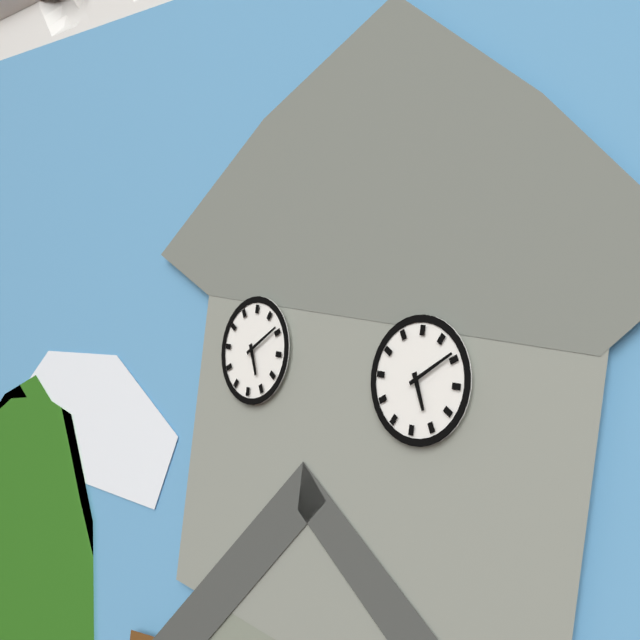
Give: 5:09
